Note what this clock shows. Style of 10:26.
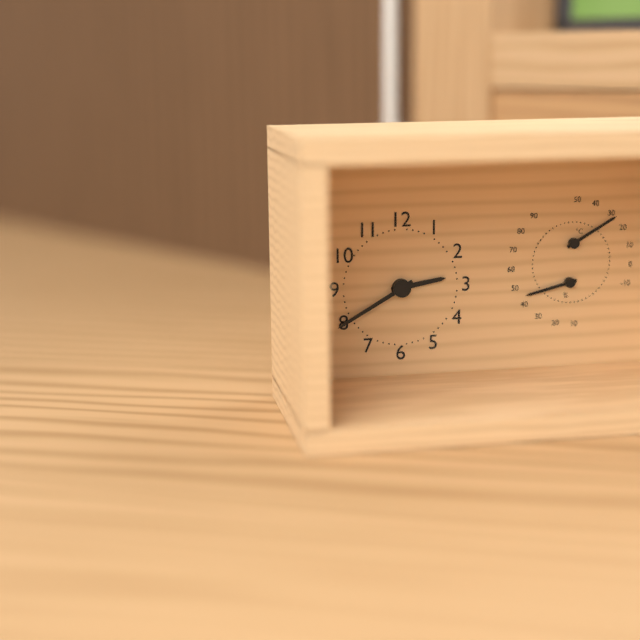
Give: 2:40
